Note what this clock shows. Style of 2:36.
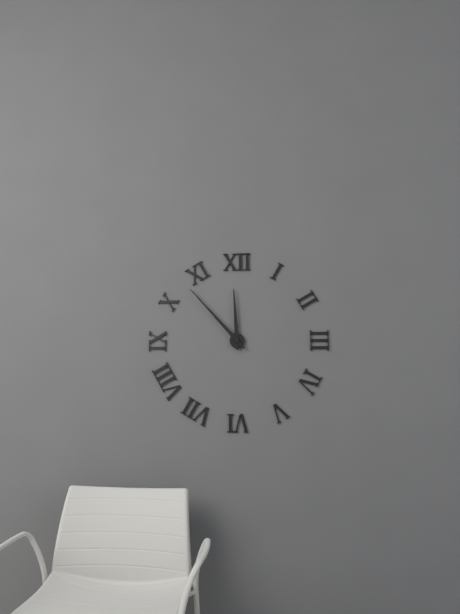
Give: 11:53
